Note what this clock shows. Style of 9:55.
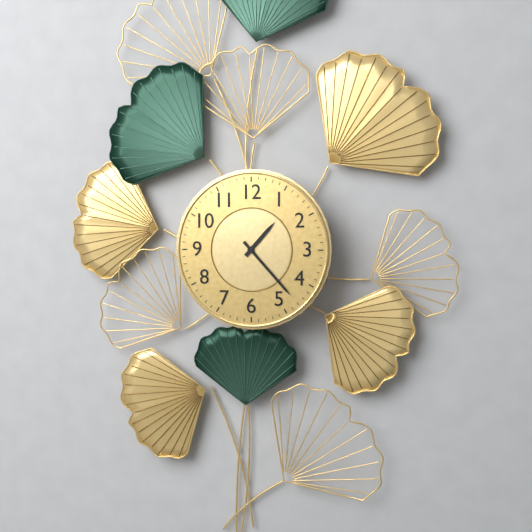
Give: 1:23
